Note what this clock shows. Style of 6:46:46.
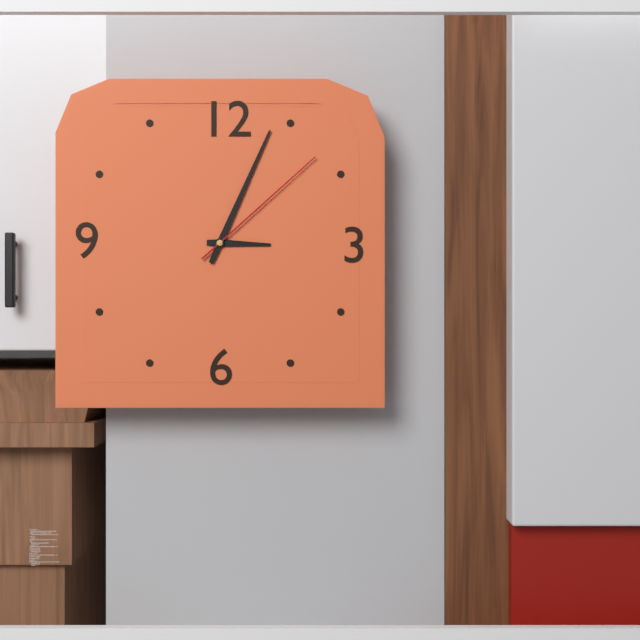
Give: 3:04:08
